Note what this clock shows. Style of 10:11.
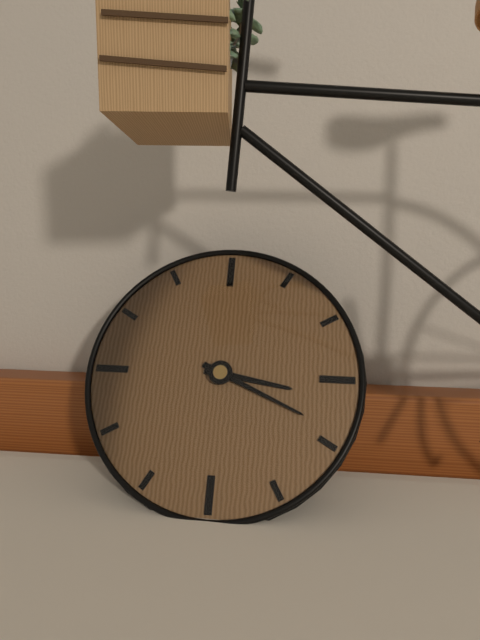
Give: 3:19
